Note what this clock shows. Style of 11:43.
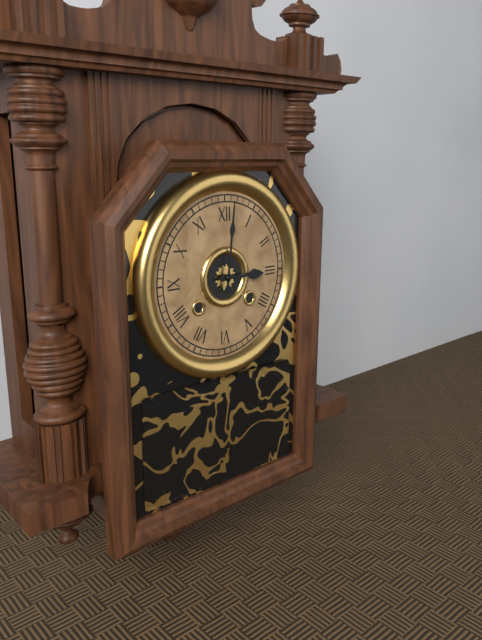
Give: 3:01
